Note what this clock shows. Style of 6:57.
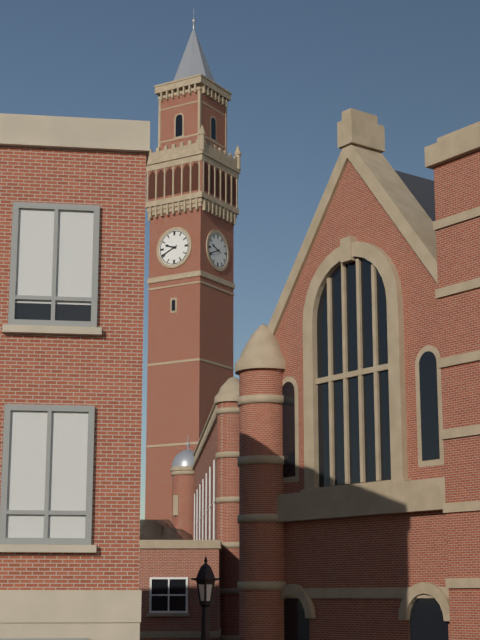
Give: 9:41
